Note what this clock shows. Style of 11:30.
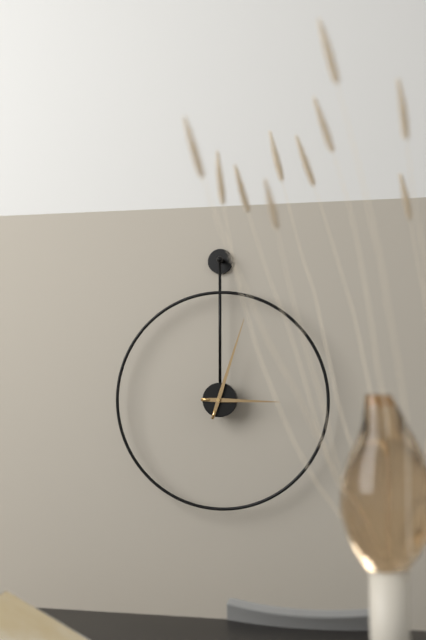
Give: 3:03
